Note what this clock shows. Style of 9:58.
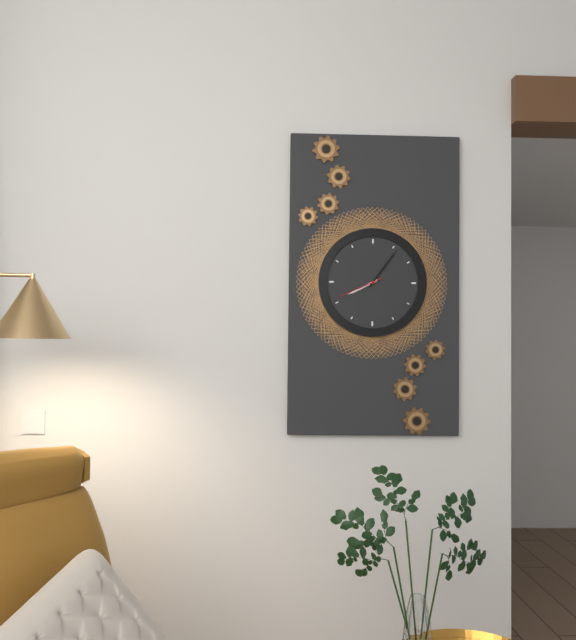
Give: 8:06
